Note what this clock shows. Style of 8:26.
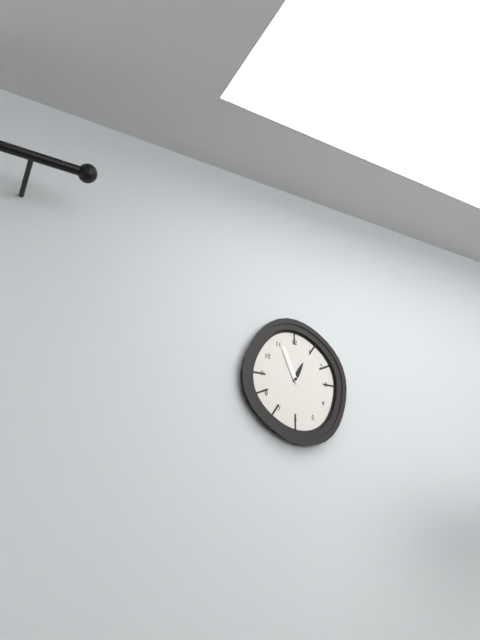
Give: 12:56
